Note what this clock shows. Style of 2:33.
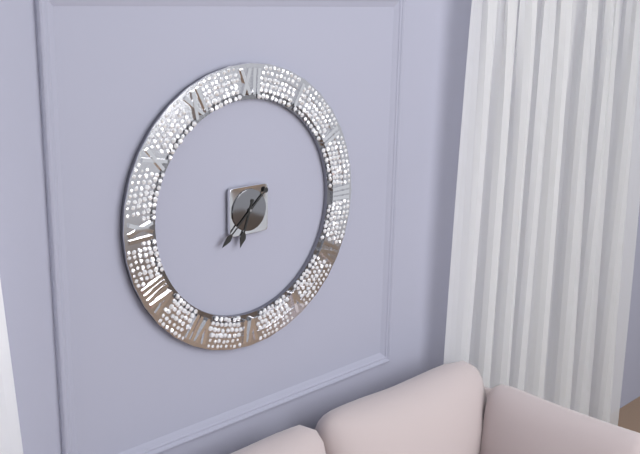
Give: 6:38
